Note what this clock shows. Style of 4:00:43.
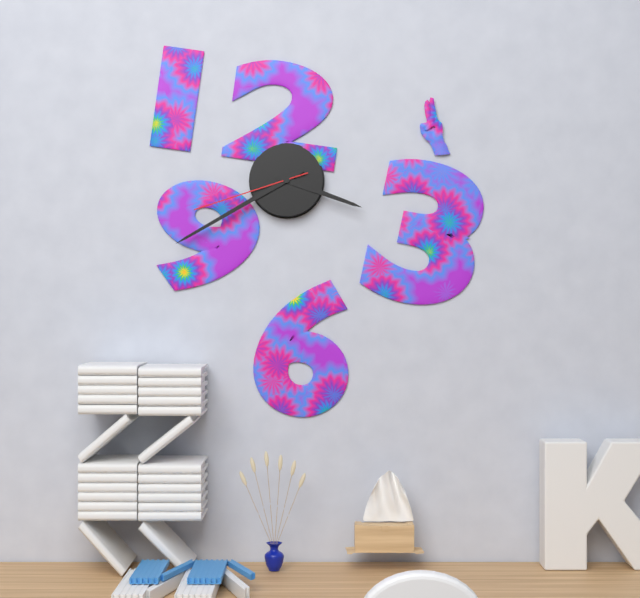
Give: 3:40:42
